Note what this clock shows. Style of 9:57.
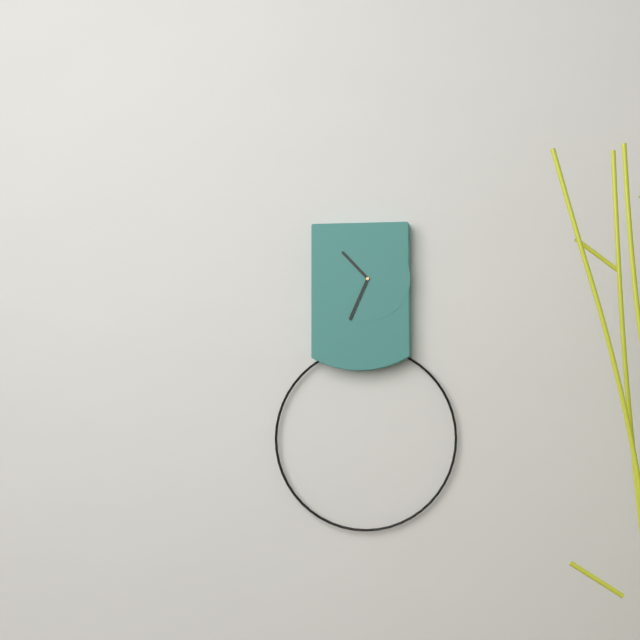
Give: 10:34
